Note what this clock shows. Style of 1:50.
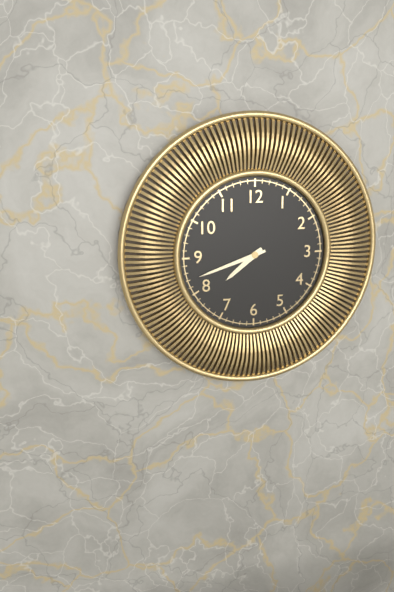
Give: 7:42
